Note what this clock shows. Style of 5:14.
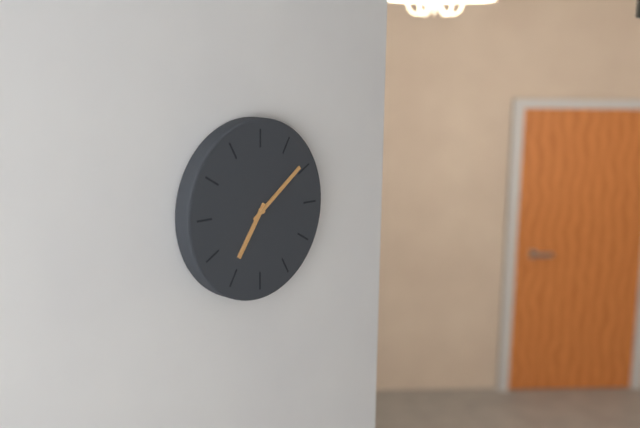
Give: 7:09
